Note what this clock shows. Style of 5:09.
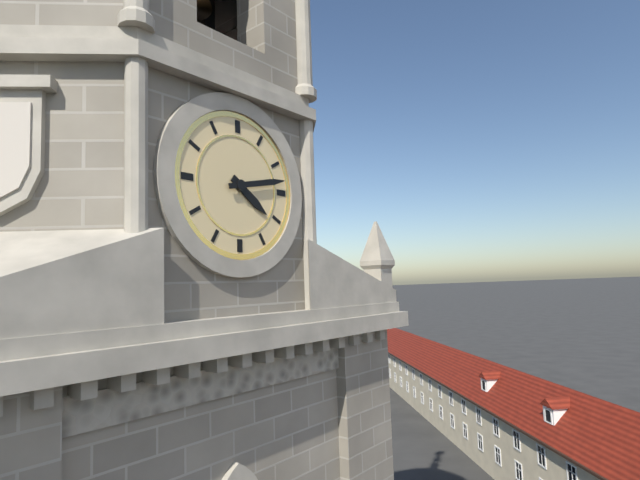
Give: 4:13
